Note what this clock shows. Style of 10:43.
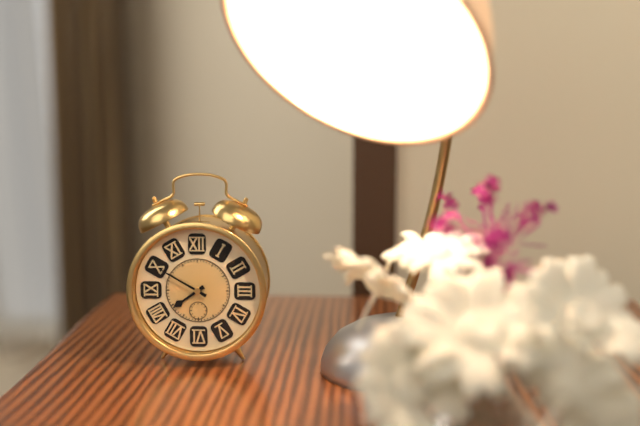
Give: 7:50
